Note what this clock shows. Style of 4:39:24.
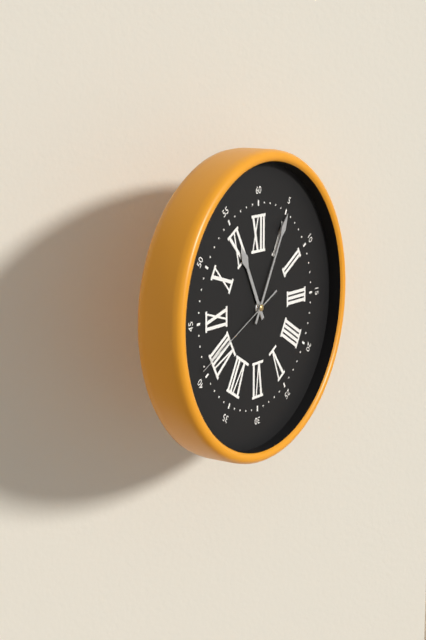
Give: 11:05:41
